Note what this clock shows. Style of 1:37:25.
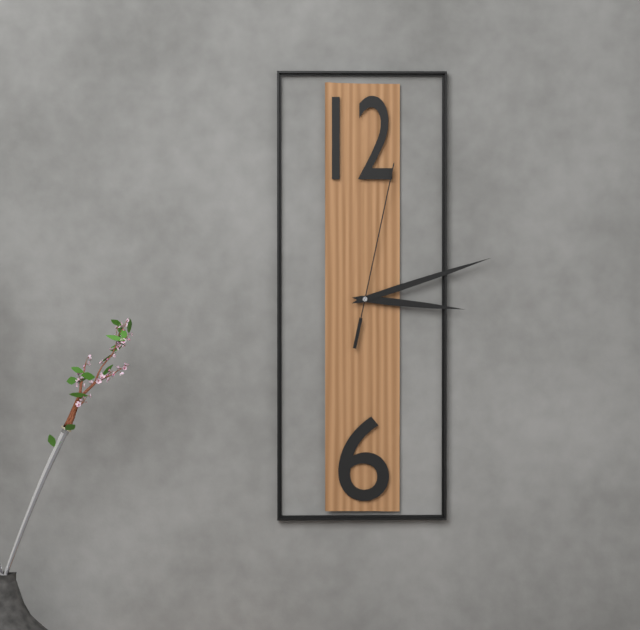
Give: 3:12:02
